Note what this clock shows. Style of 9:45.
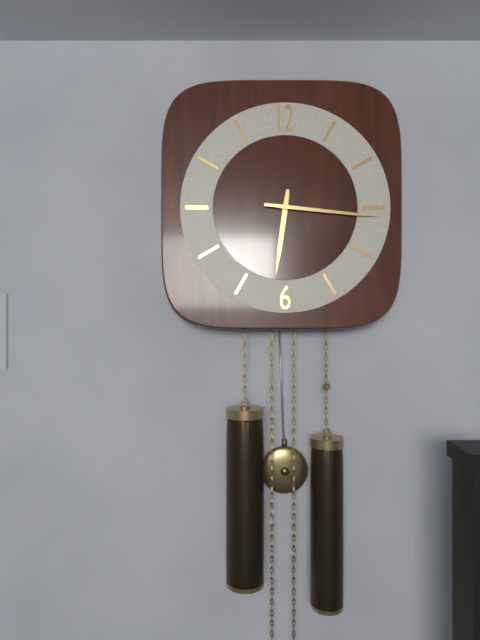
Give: 6:16
